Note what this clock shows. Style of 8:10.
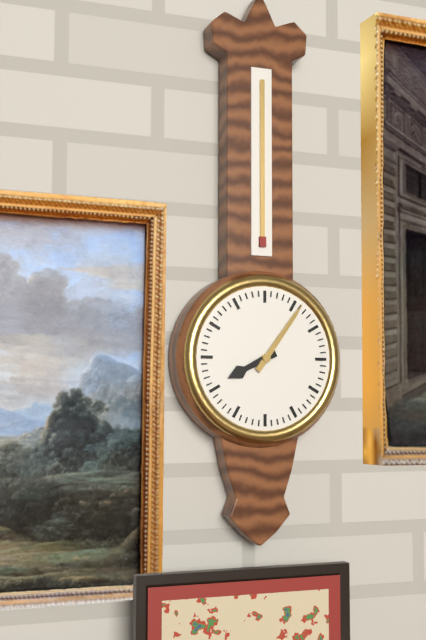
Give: 8:06
